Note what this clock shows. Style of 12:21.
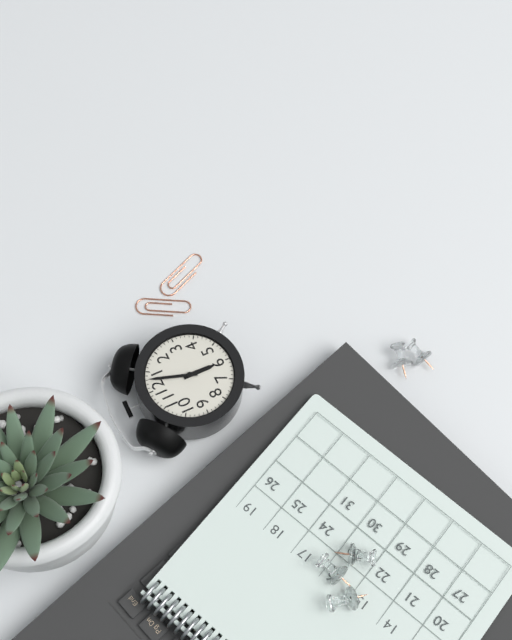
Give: 6:03
